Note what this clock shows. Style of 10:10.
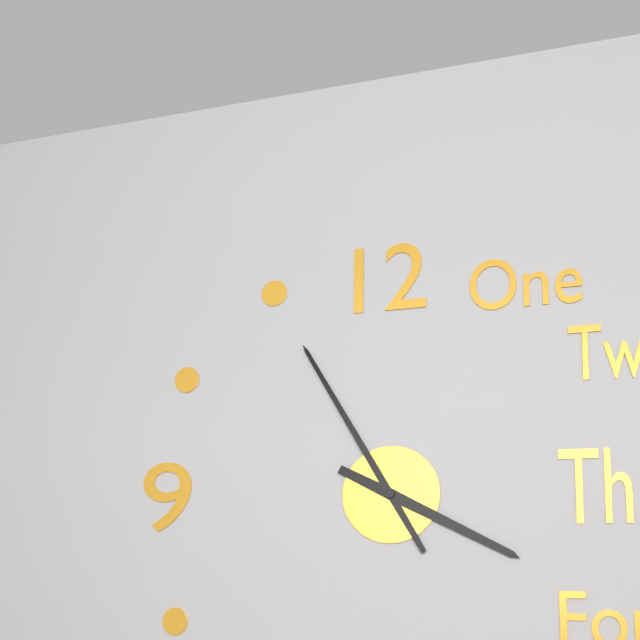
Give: 3:55
